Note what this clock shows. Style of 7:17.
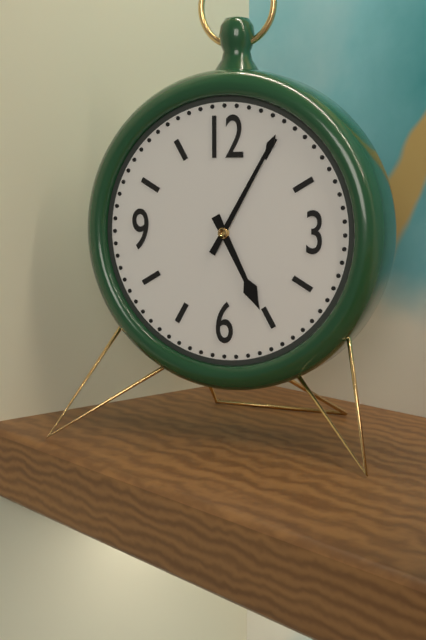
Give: 5:05
